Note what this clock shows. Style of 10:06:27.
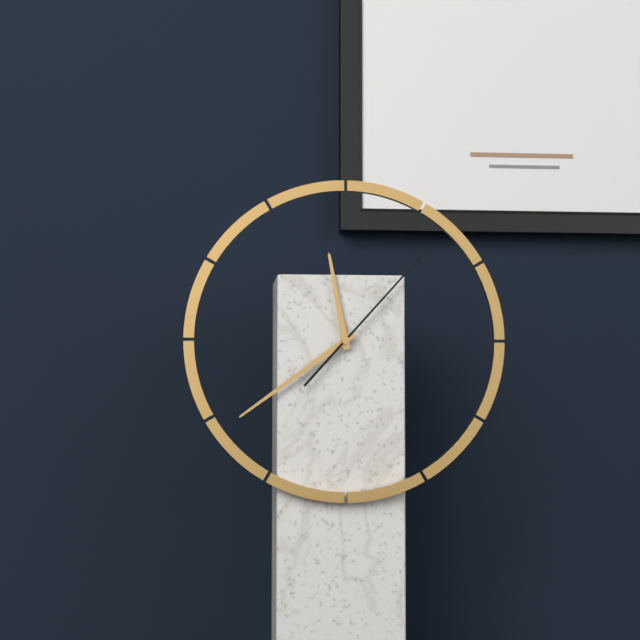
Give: 11:39:07
